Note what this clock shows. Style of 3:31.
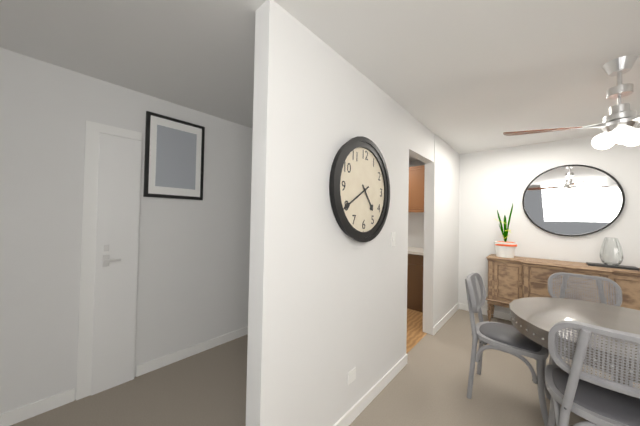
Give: 4:40
